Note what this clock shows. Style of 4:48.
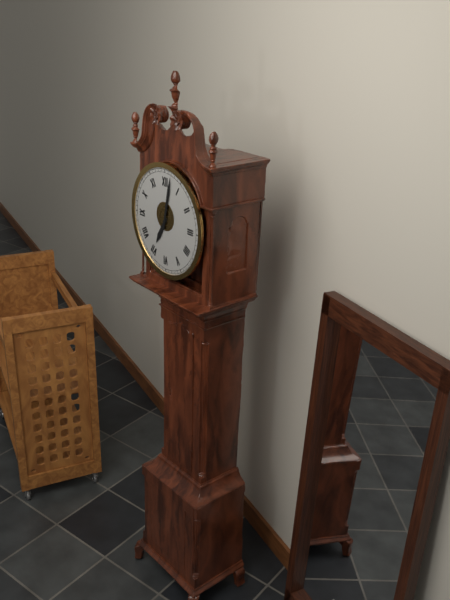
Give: 7:02
